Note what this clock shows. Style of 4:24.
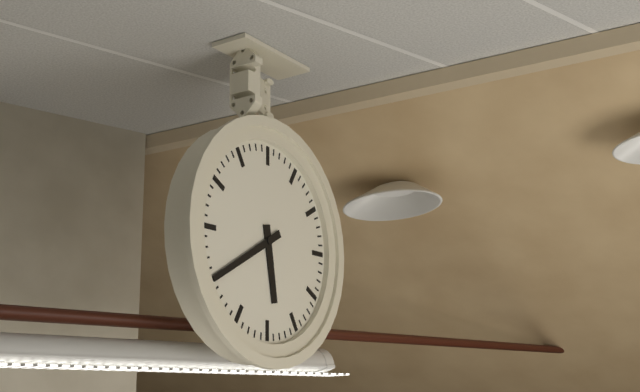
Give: 5:40
